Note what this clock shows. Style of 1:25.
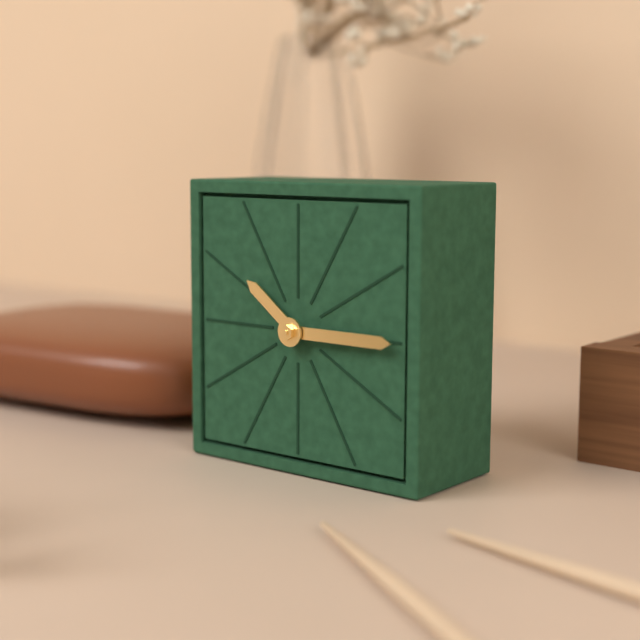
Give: 10:15
